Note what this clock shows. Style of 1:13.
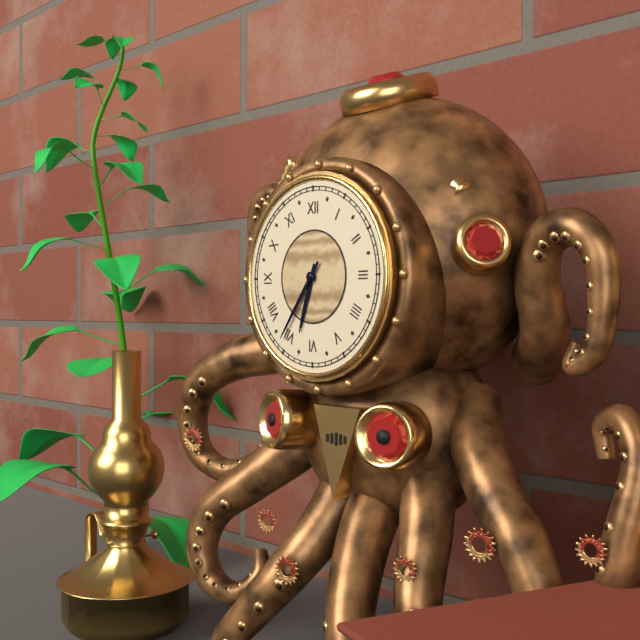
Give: 6:36
